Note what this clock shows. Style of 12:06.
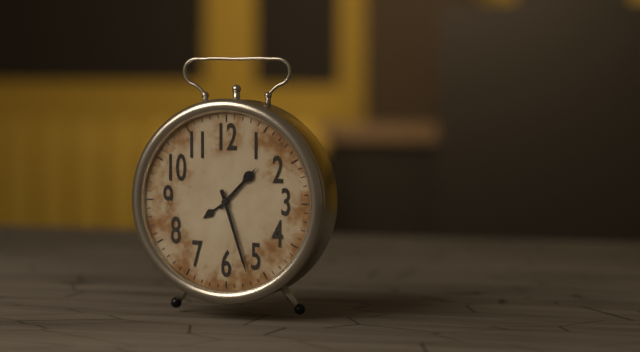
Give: 1:27
